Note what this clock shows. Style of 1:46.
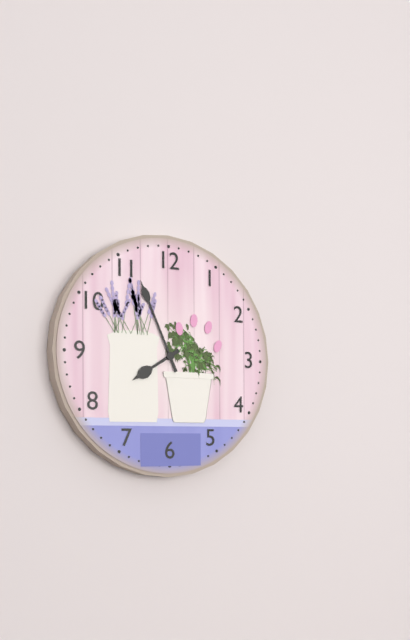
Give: 7:56
